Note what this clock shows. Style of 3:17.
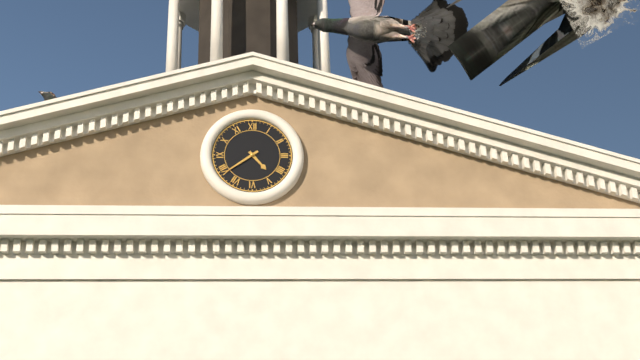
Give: 4:39
